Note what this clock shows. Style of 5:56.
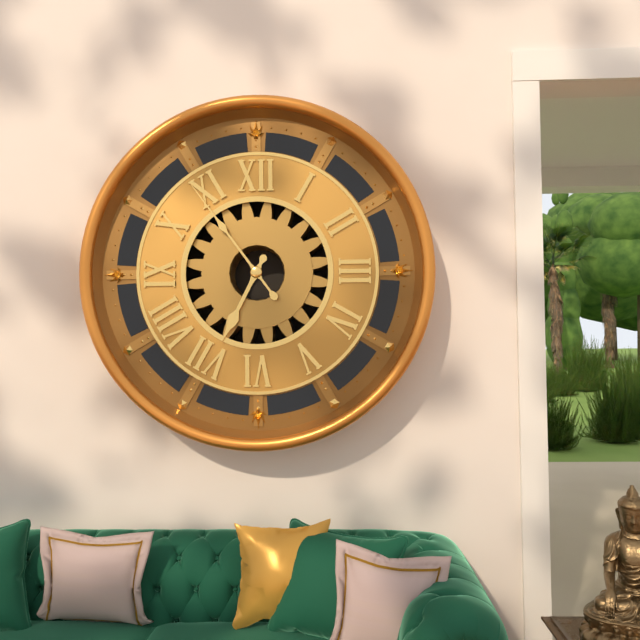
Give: 6:54
